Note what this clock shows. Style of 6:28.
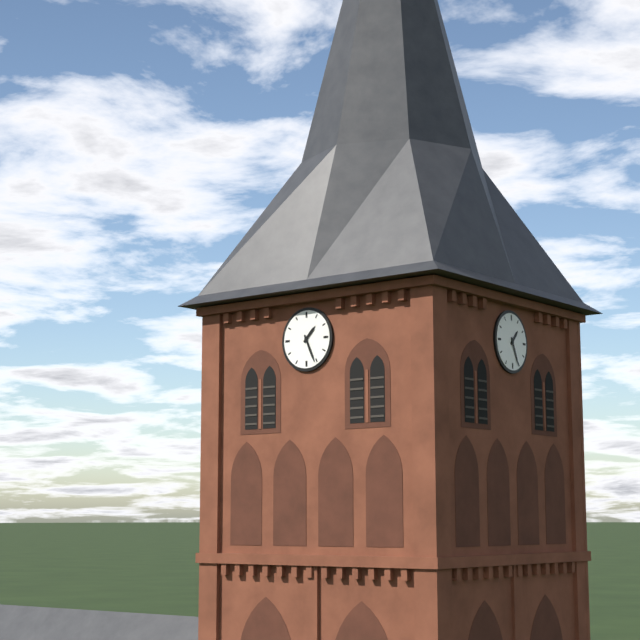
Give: 1:26
